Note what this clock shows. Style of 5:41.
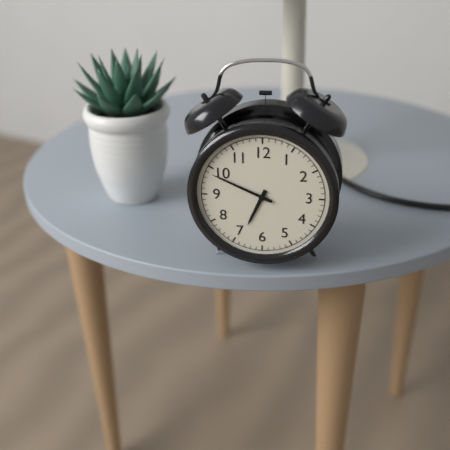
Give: 6:49
